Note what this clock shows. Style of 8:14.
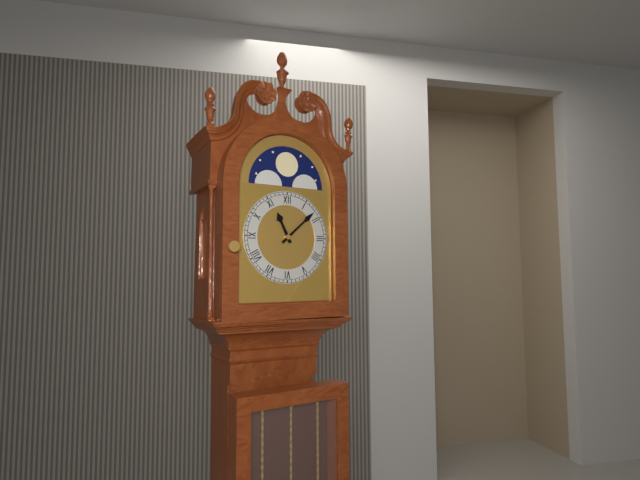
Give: 11:08
